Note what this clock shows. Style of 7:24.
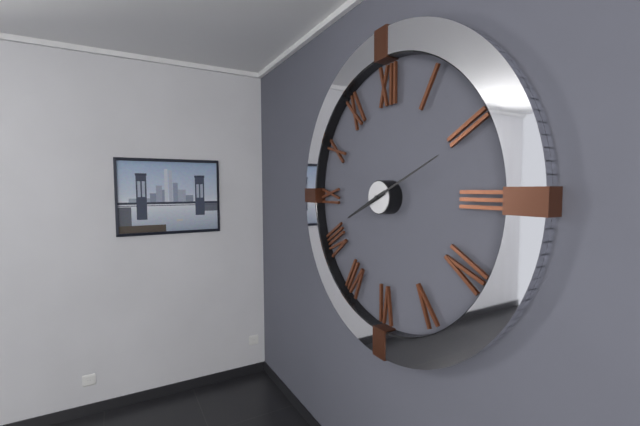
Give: 8:11
